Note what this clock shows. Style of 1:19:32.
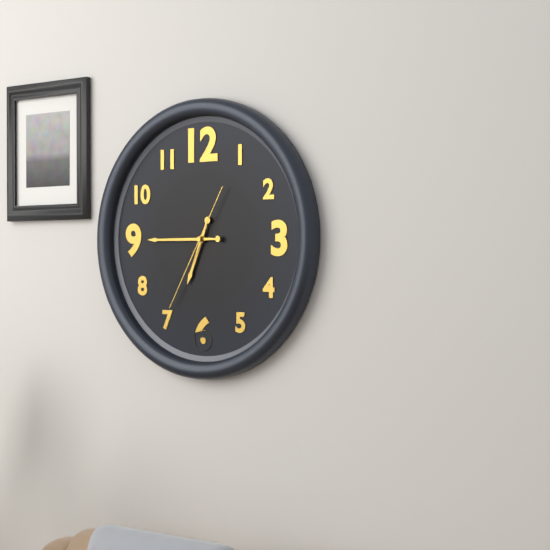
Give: 6:45:35
